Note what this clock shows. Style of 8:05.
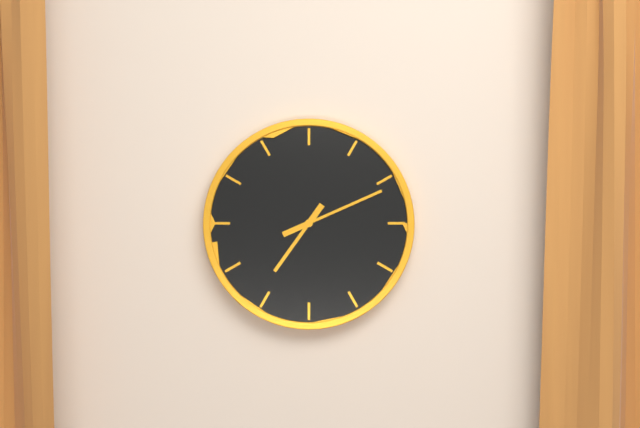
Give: 7:11
